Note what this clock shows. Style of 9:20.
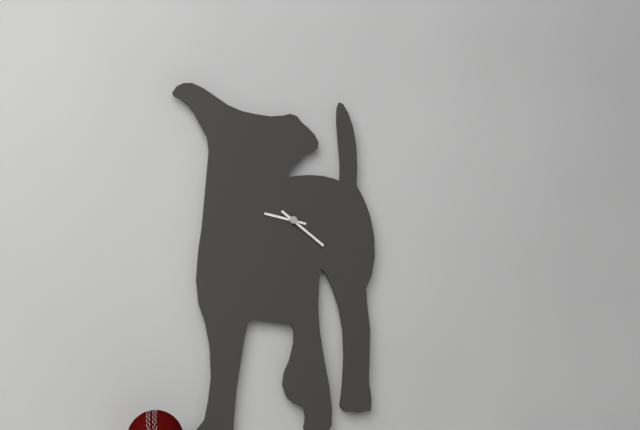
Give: 9:21
